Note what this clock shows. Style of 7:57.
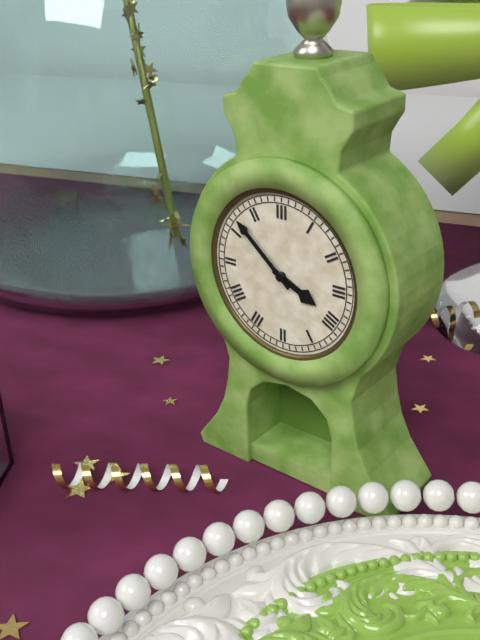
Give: 3:52
